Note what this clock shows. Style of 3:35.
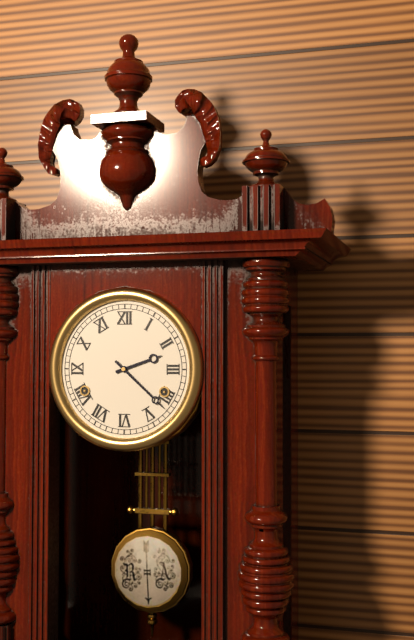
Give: 2:22
